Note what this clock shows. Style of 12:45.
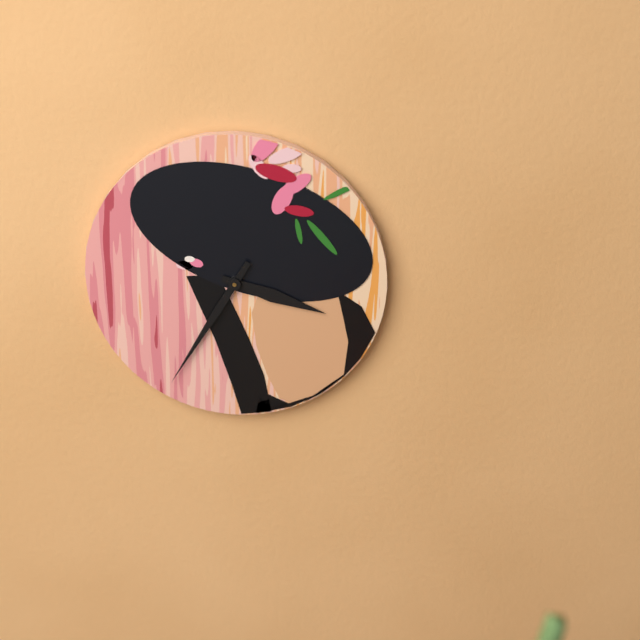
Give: 3:35
